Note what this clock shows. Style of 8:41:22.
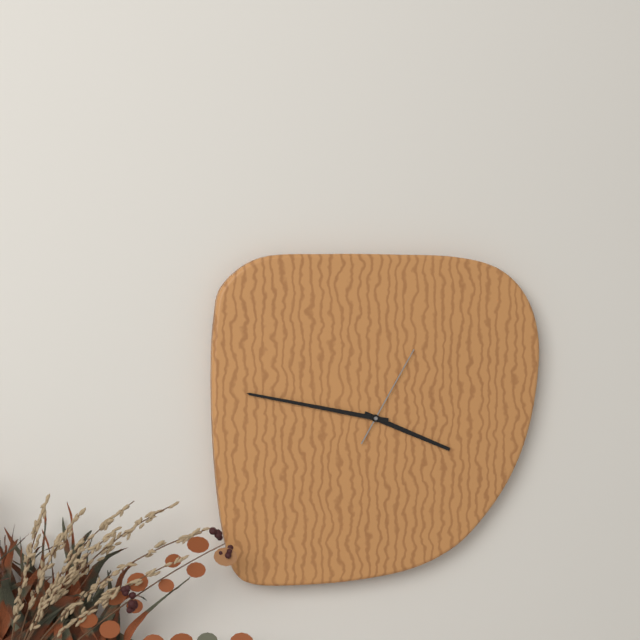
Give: 3:47:05
